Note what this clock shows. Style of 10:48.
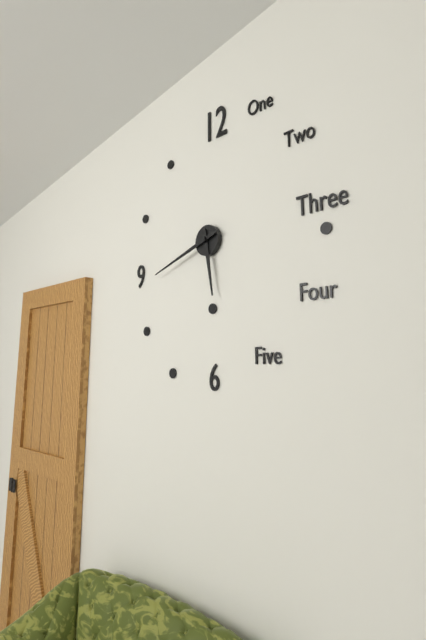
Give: 5:42
